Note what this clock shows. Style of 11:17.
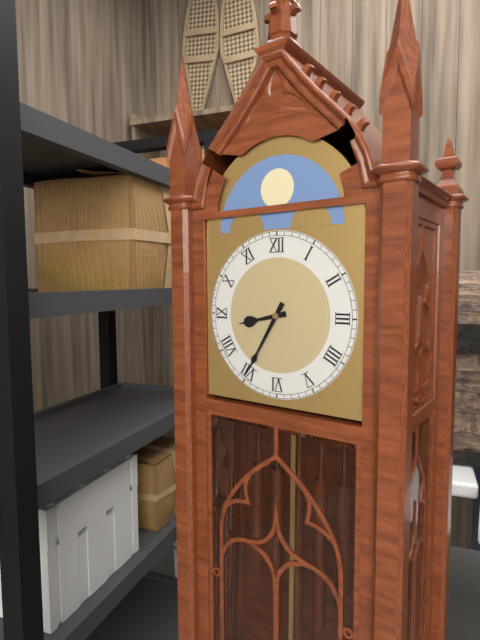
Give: 8:35
